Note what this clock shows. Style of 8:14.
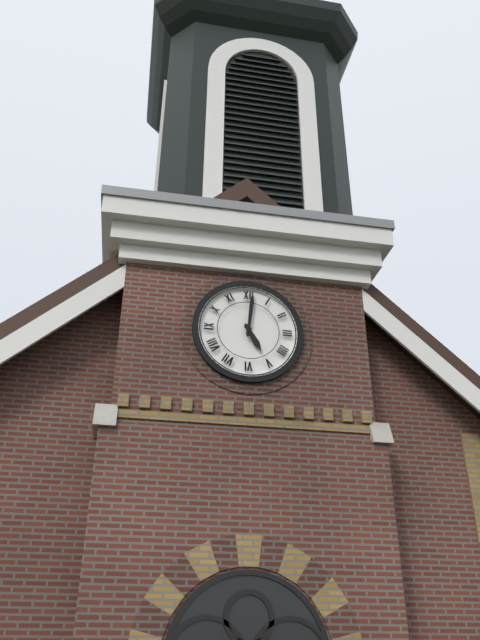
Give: 5:01
